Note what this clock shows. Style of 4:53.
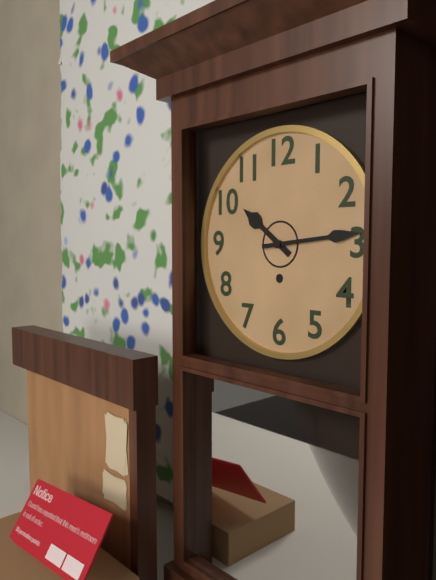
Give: 10:14
